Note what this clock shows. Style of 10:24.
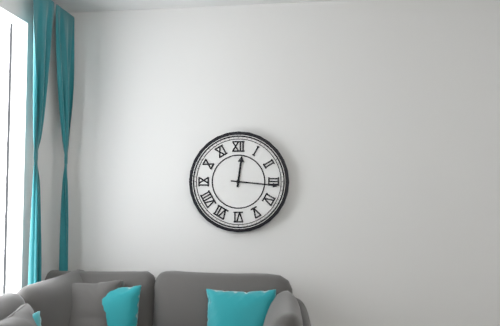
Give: 12:16
